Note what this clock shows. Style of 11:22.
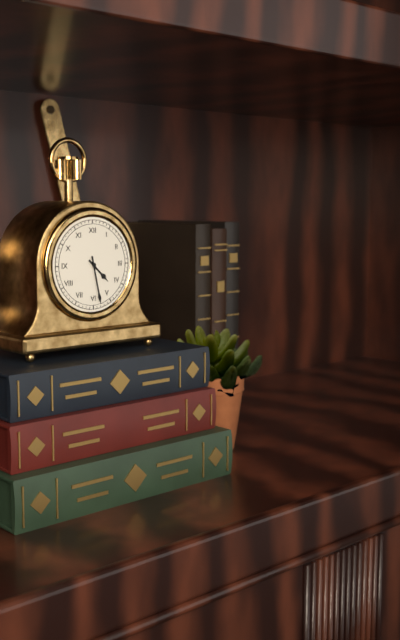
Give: 4:28
